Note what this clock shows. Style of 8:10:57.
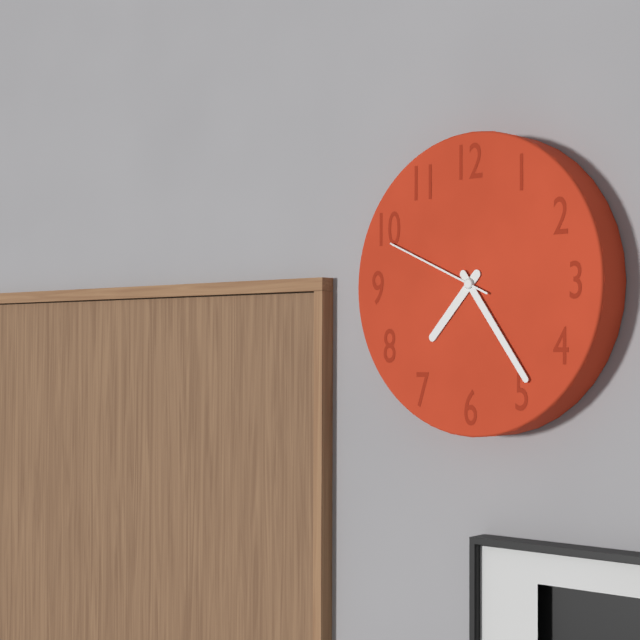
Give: 7:24:49
